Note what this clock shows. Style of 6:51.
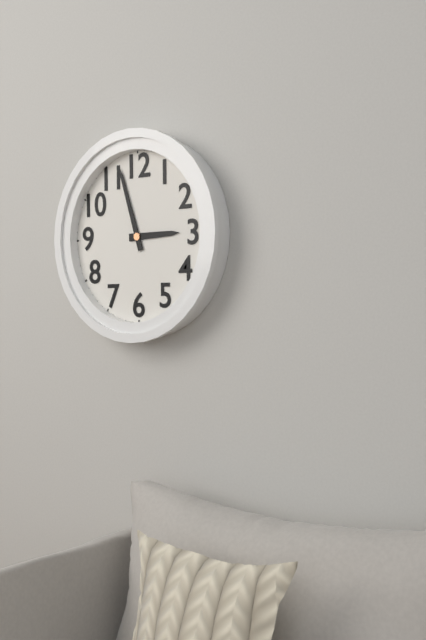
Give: 2:57
